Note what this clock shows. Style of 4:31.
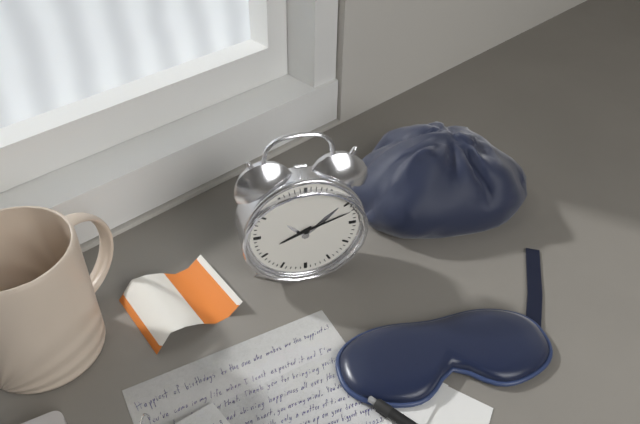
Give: 8:12
